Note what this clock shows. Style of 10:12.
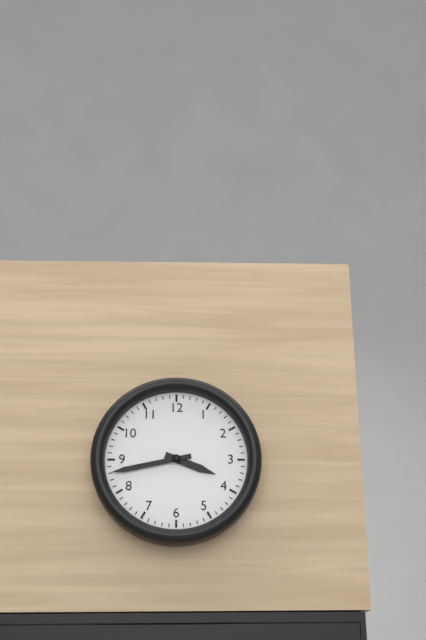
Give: 3:43
